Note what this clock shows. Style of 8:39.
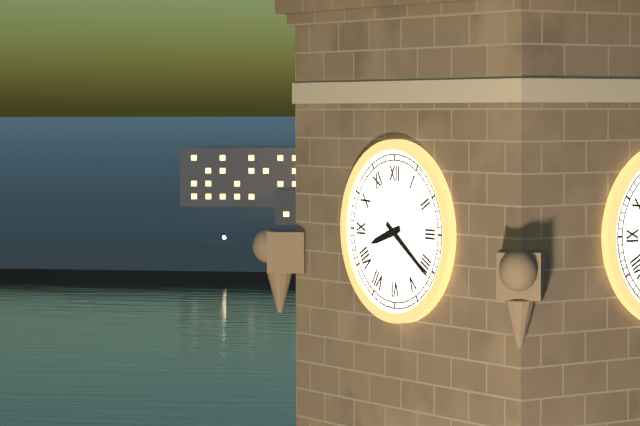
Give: 8:21
